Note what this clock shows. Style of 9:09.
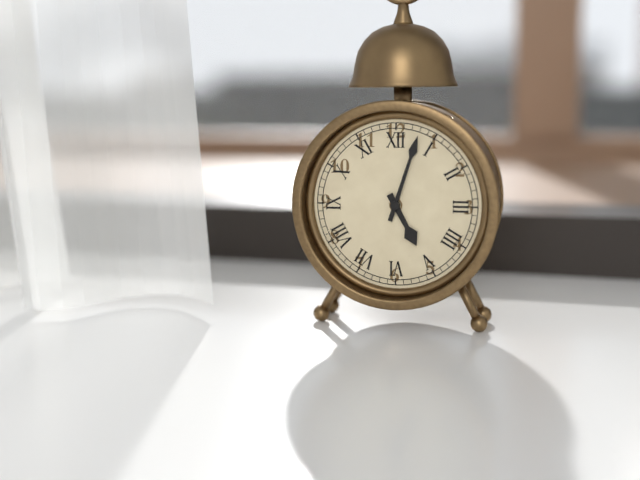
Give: 5:03
